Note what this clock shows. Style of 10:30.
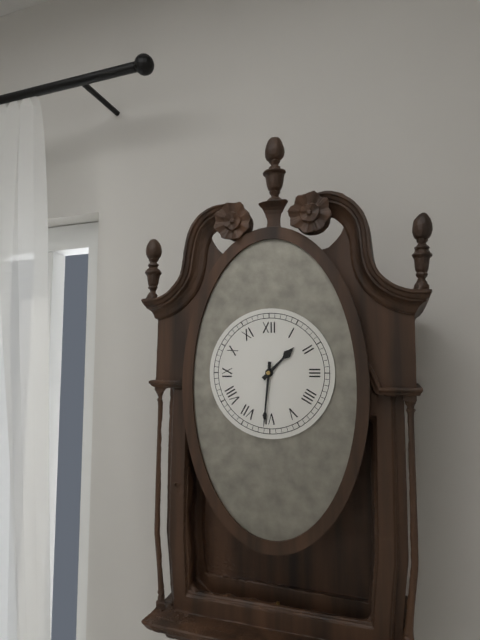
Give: 1:31
